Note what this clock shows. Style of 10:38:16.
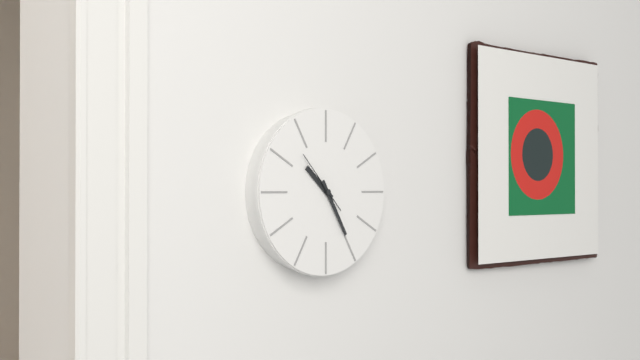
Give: 10:25:53
